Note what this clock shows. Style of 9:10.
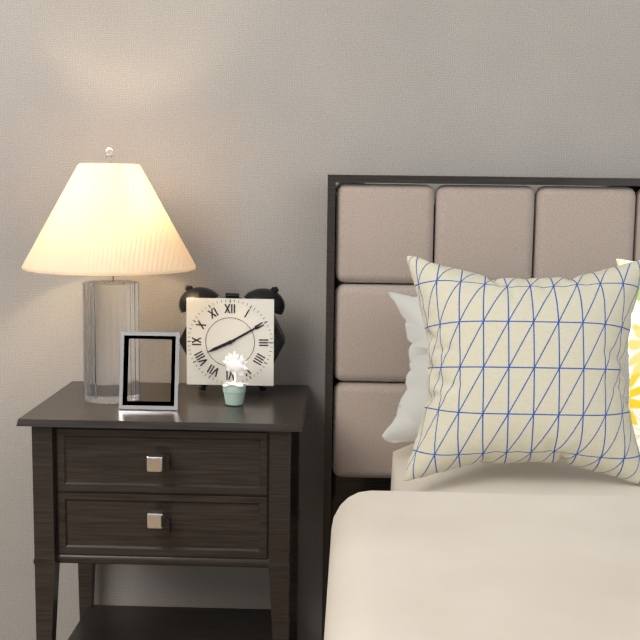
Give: 8:10
